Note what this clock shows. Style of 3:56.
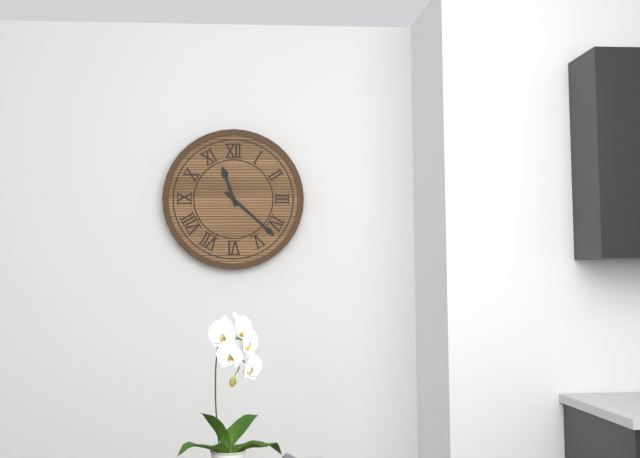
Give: 11:22
